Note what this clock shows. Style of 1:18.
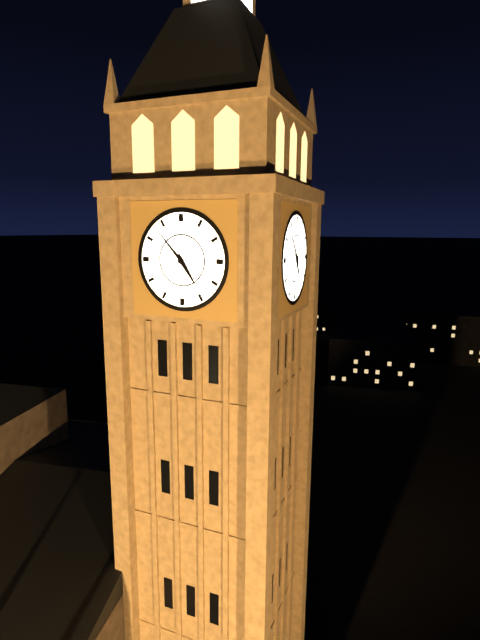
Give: 4:53
